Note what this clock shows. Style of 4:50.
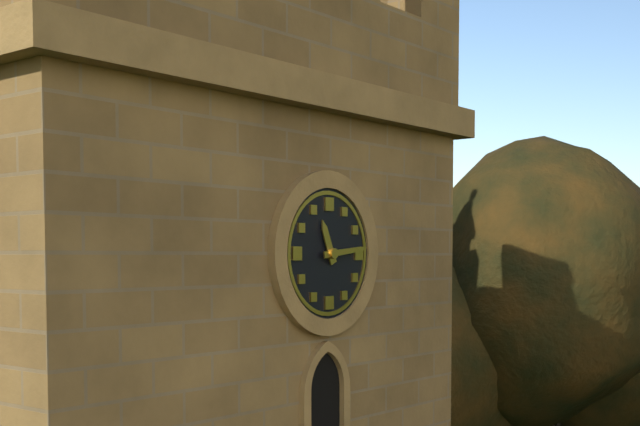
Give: 11:14
